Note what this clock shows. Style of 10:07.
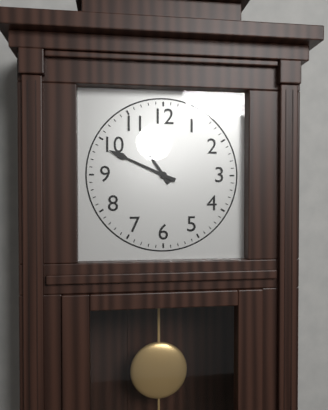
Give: 10:49
